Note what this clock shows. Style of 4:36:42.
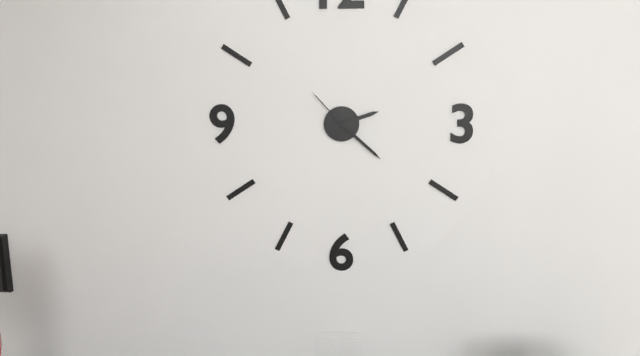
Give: 2:22:53
